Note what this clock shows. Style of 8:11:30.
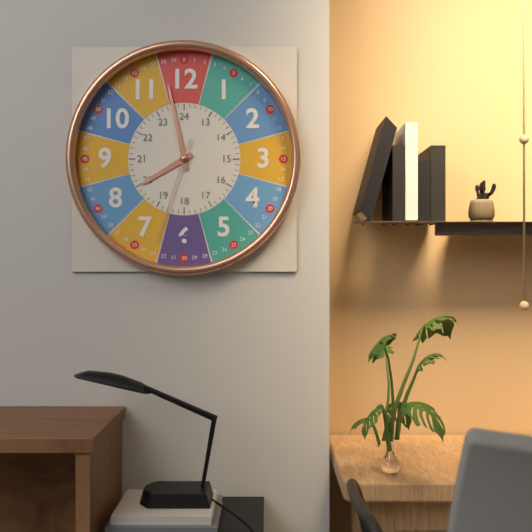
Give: 7:58:33
